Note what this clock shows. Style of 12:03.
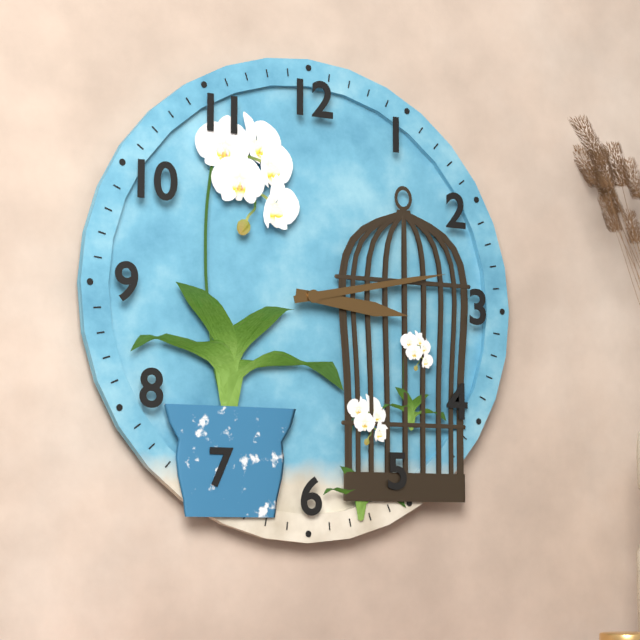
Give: 3:13
